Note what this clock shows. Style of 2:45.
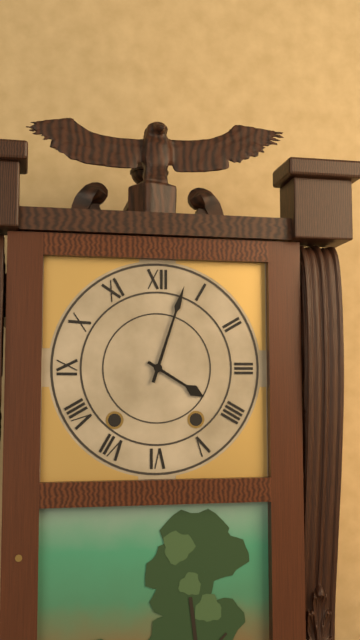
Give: 4:03
